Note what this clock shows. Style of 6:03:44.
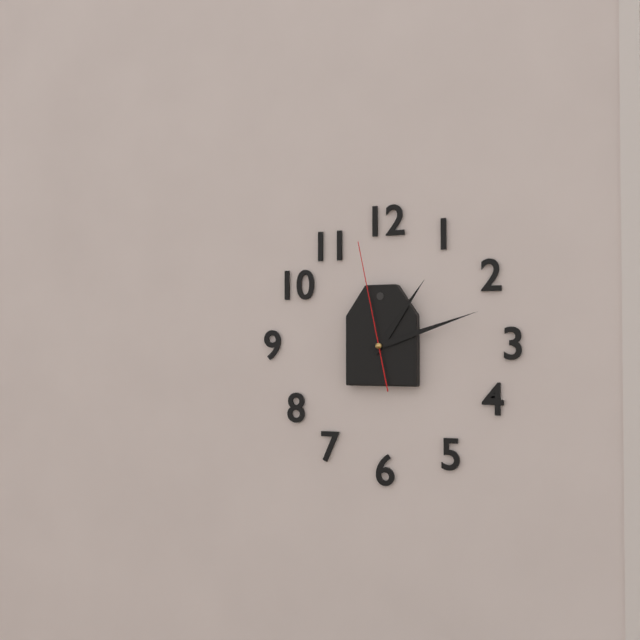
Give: 1:12:58
